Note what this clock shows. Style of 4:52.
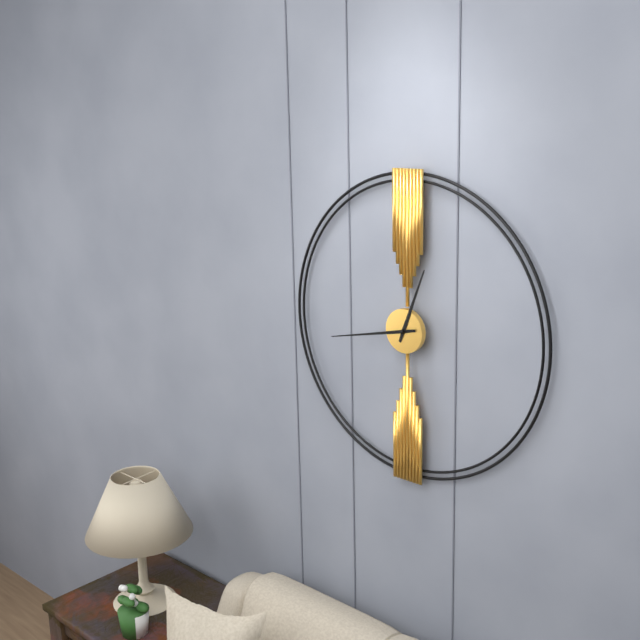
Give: 12:43
